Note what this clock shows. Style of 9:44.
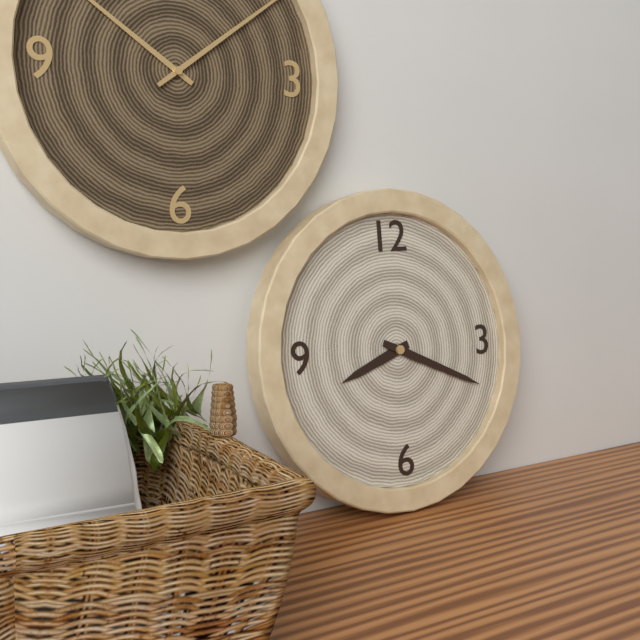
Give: 8:19
